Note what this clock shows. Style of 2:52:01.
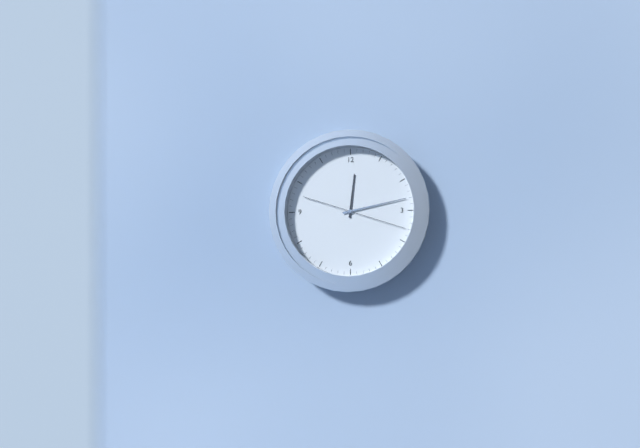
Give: 12:13:18
